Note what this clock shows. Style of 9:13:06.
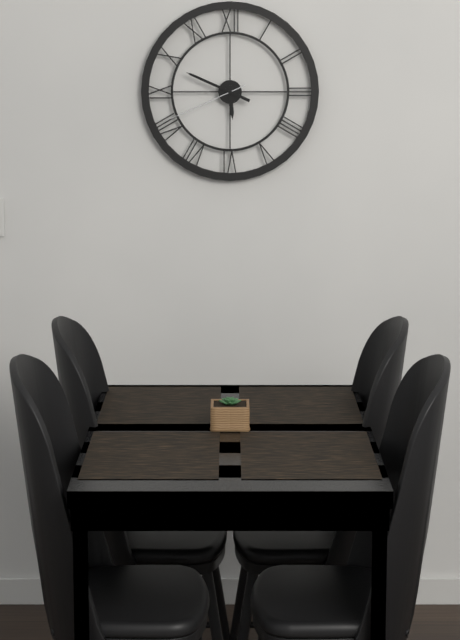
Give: 5:49:41
